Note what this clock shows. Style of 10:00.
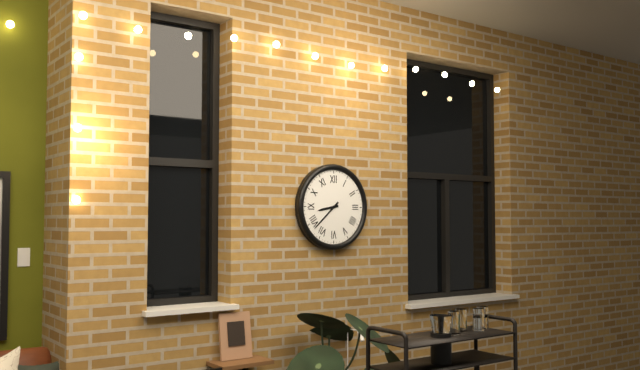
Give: 8:38
